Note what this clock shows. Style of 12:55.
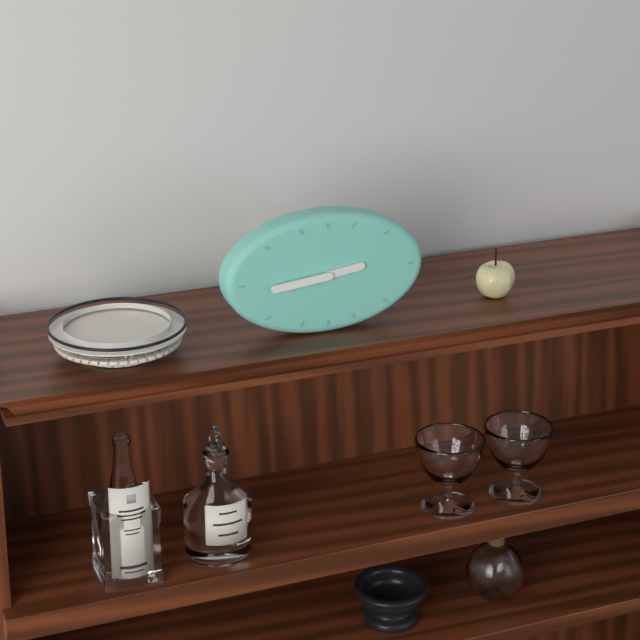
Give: 2:44
